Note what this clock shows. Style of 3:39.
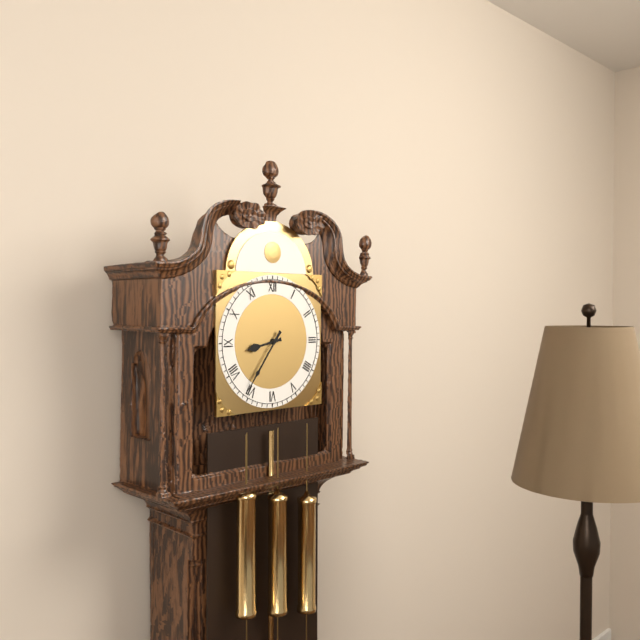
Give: 8:36
